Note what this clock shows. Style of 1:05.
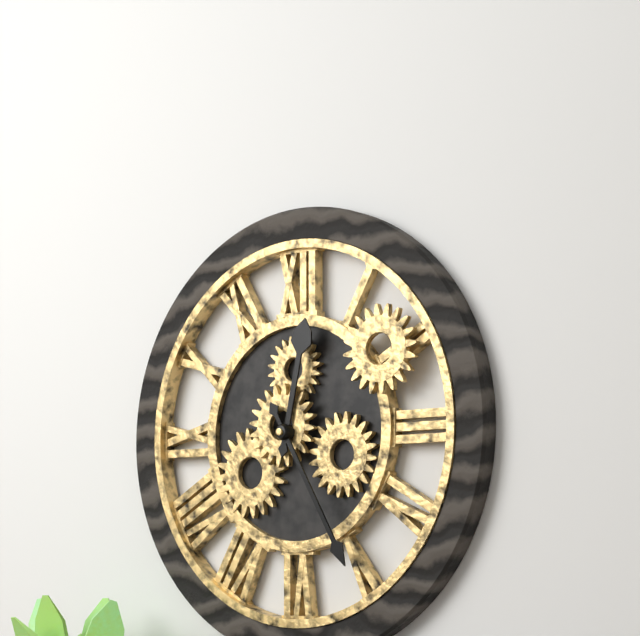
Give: 12:25
